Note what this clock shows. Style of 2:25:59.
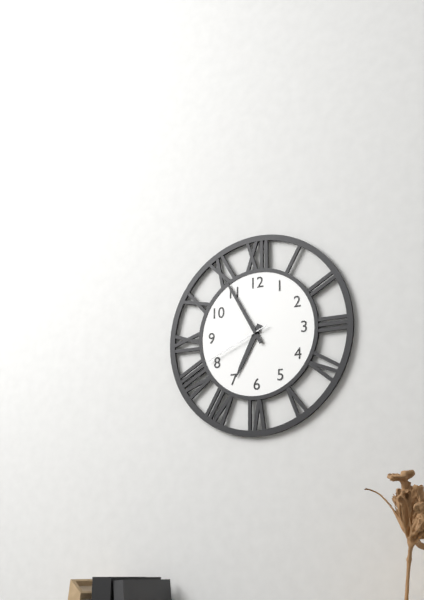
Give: 6:55:41
